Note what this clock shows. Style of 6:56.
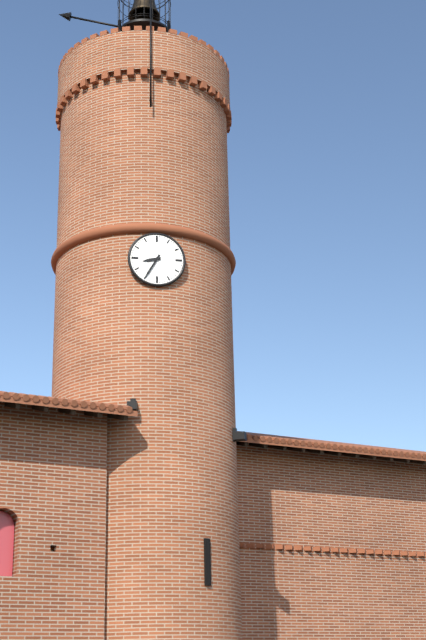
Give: 8:35
